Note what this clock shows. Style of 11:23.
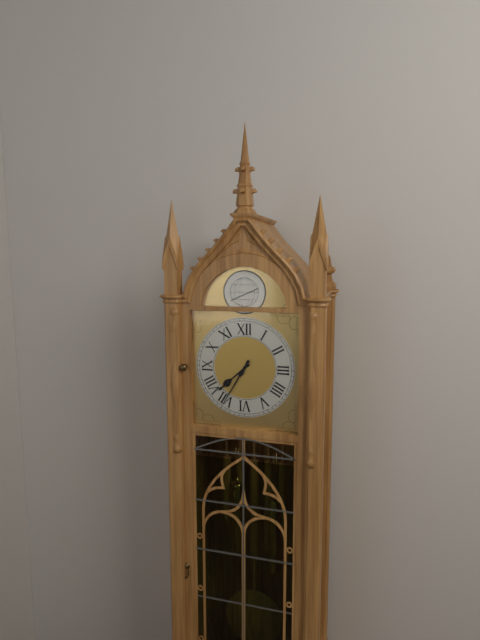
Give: 7:35
